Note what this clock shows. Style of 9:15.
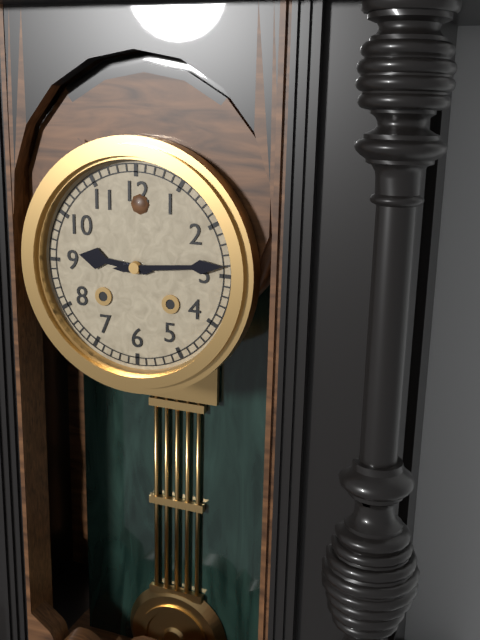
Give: 9:14
